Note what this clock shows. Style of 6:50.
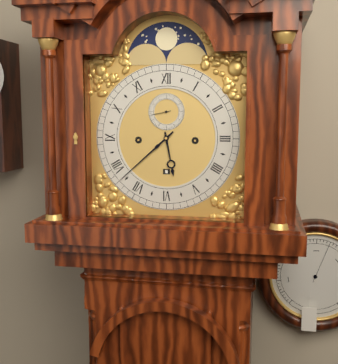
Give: 5:38
